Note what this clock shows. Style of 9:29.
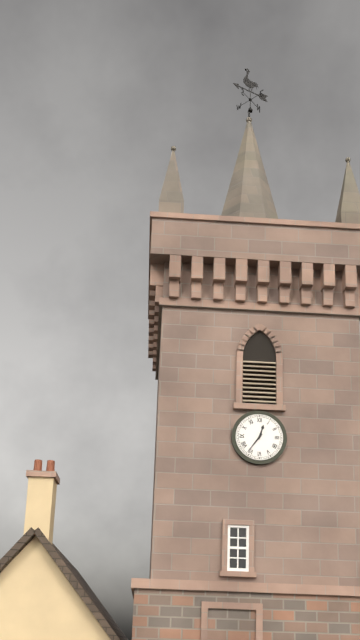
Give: 12:36
